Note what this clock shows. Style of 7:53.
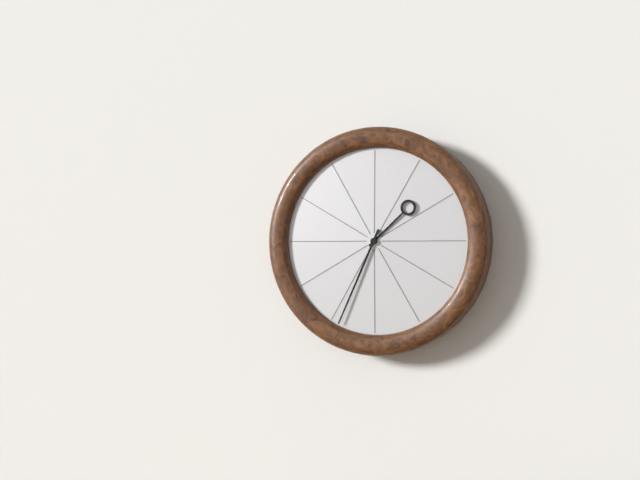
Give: 1:34
